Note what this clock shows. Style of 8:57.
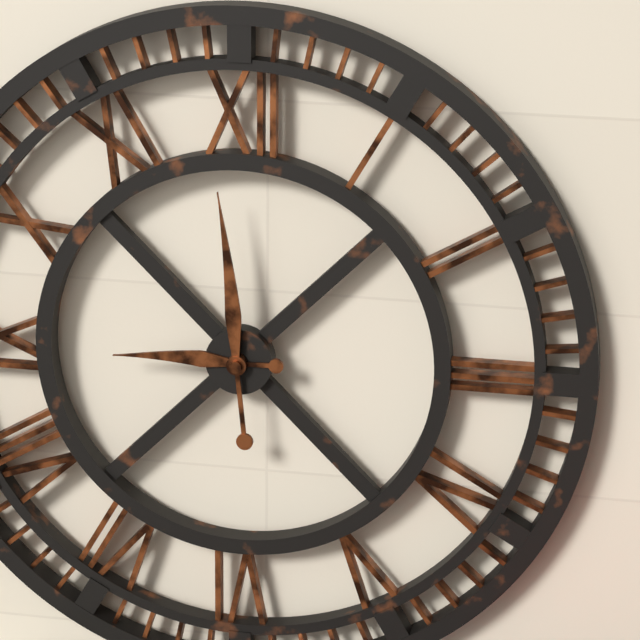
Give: 8:59
